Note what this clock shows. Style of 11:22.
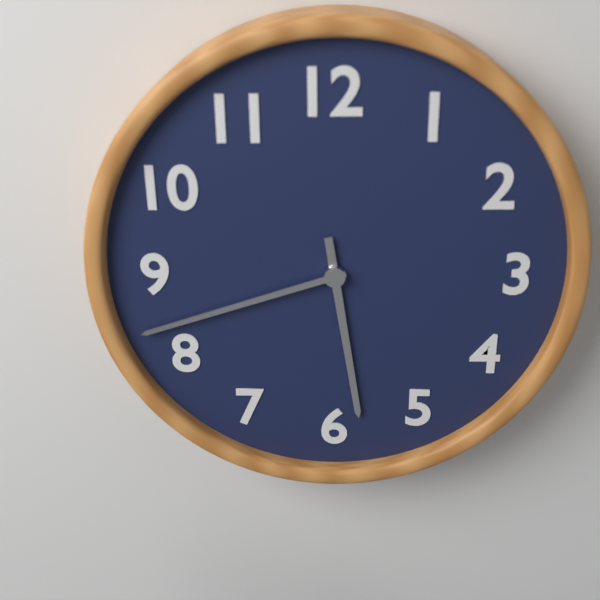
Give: 5:42
